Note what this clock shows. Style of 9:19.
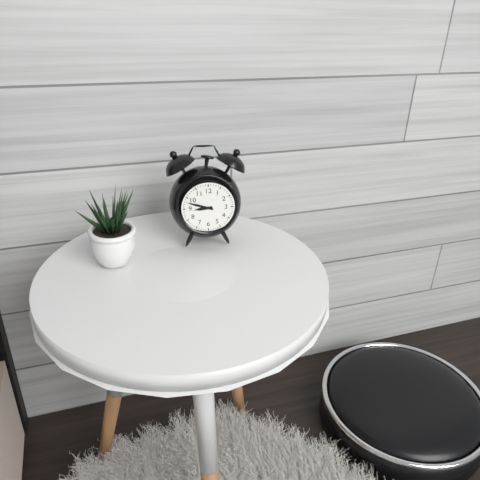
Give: 8:48
